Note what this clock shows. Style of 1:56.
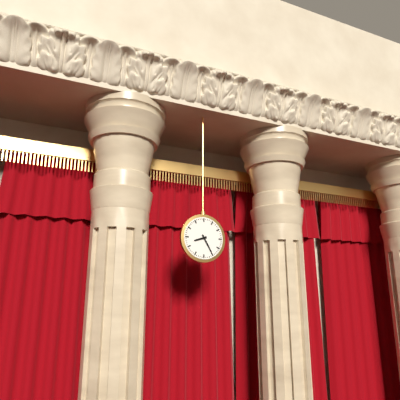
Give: 8:25
